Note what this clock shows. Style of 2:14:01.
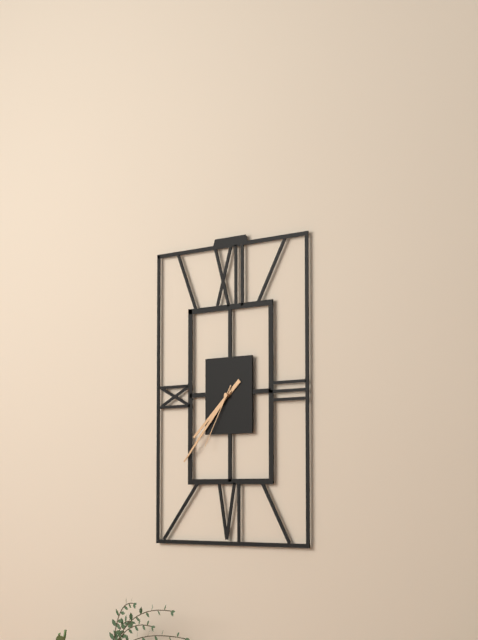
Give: 7:37:35
